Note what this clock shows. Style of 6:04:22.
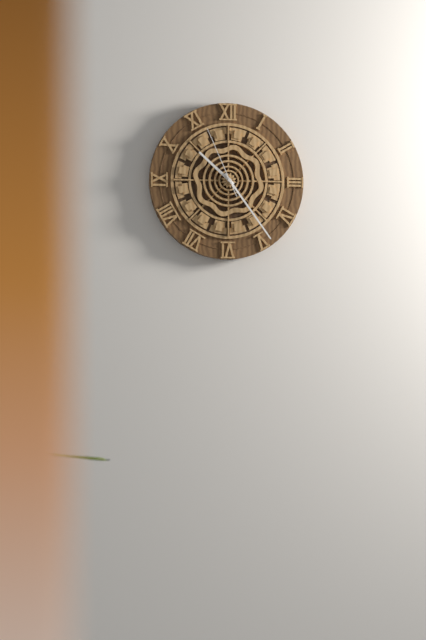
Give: 10:24:56
